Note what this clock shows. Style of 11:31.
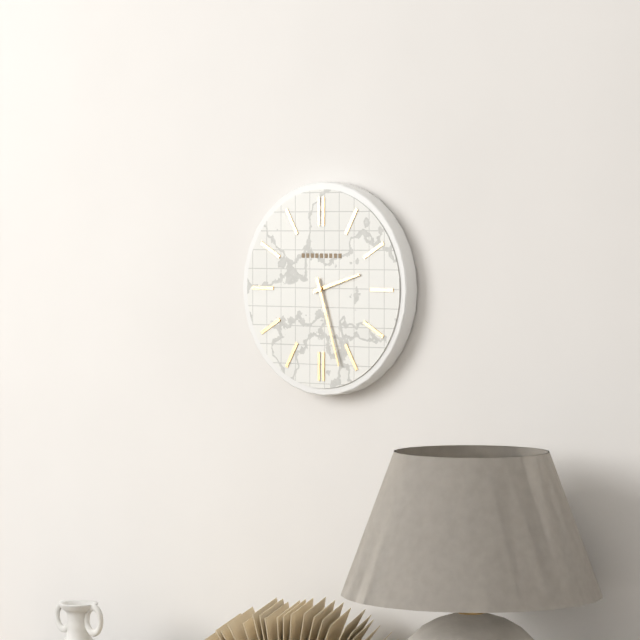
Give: 2:27
